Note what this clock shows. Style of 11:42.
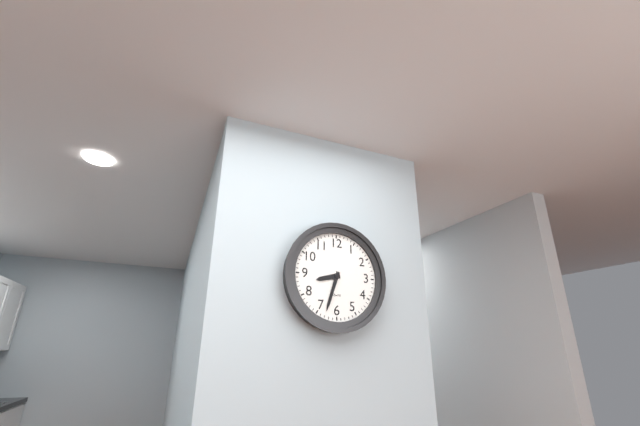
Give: 8:33
